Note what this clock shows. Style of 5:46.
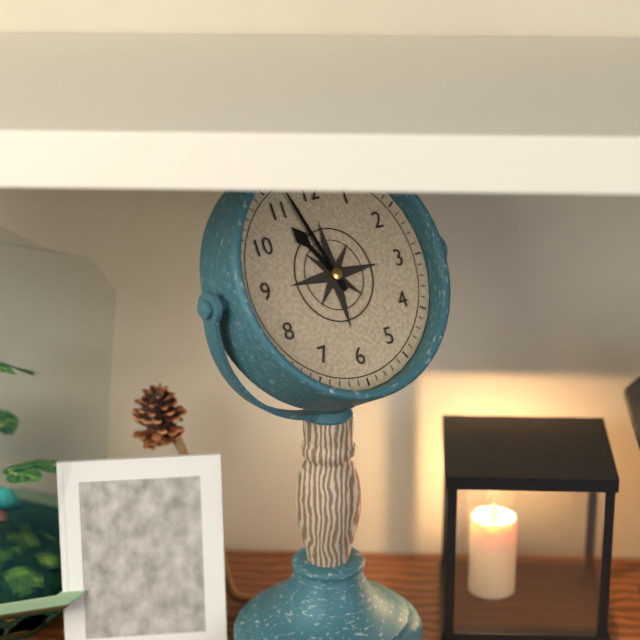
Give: 10:57
